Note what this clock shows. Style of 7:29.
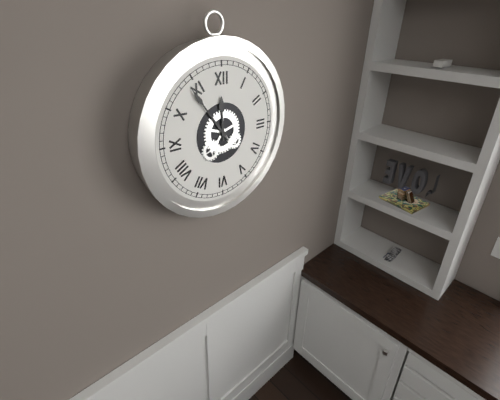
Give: 11:54
